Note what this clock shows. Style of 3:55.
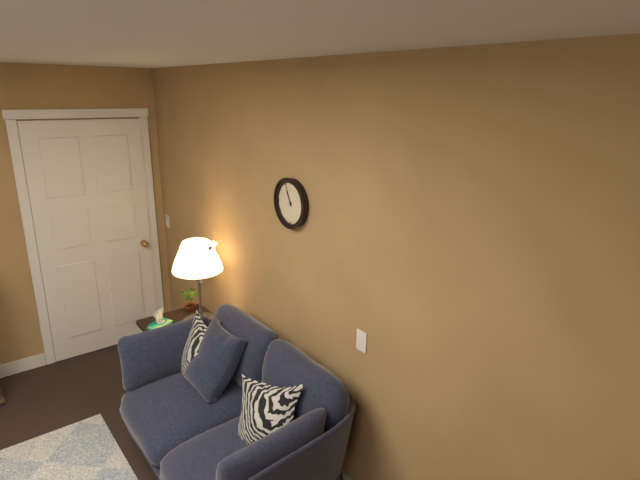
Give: 10:56
